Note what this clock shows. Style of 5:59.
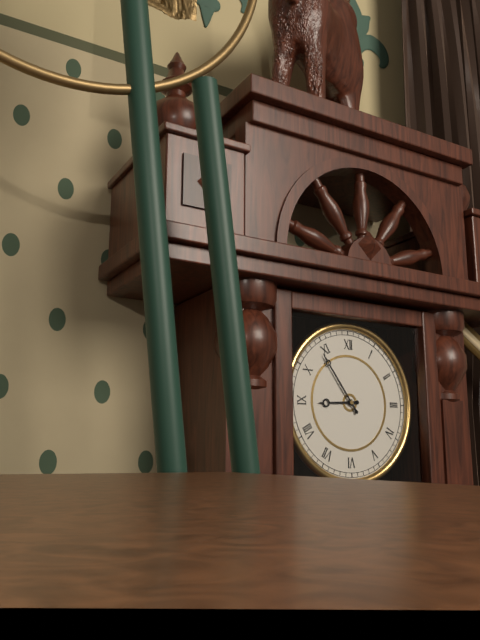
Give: 8:54
